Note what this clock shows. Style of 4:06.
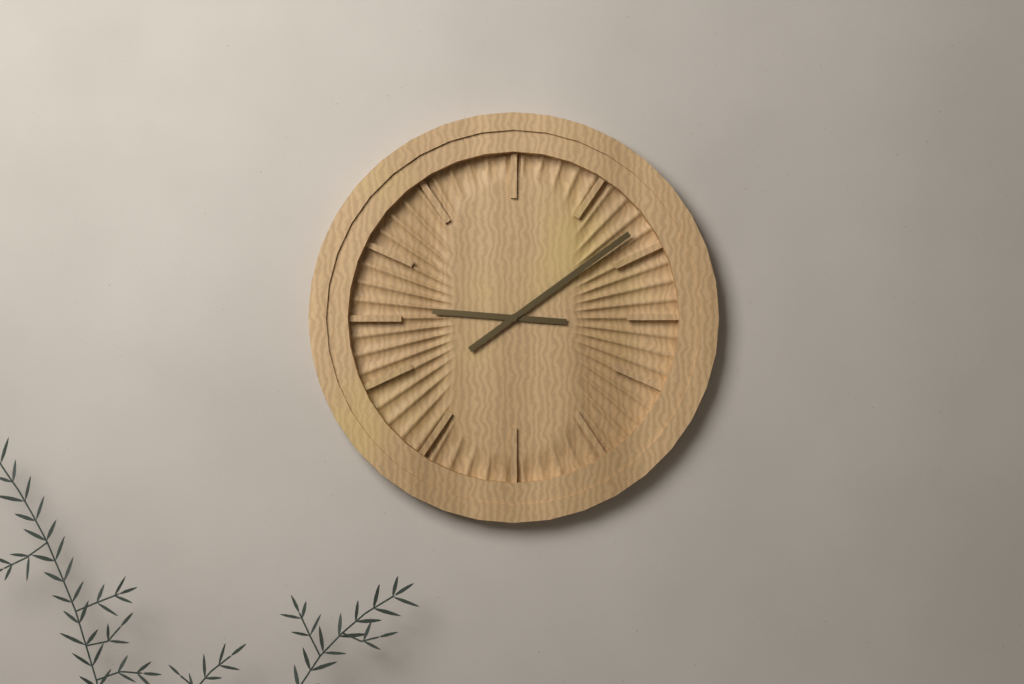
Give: 9:09
